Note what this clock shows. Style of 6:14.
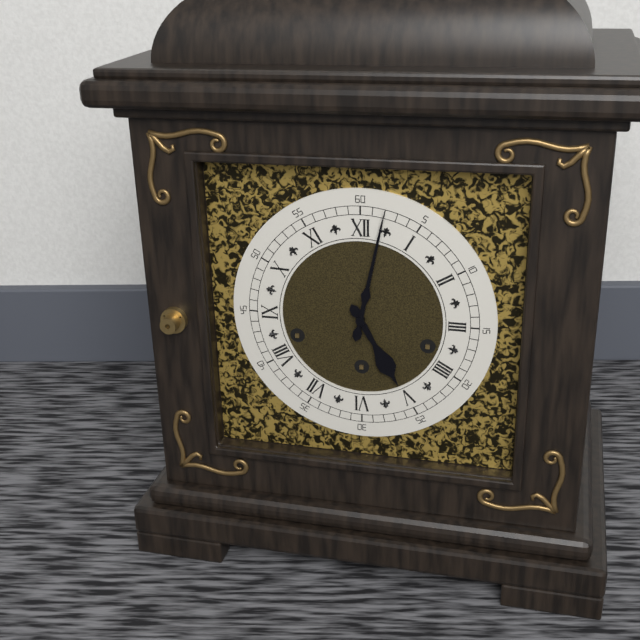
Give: 5:02
